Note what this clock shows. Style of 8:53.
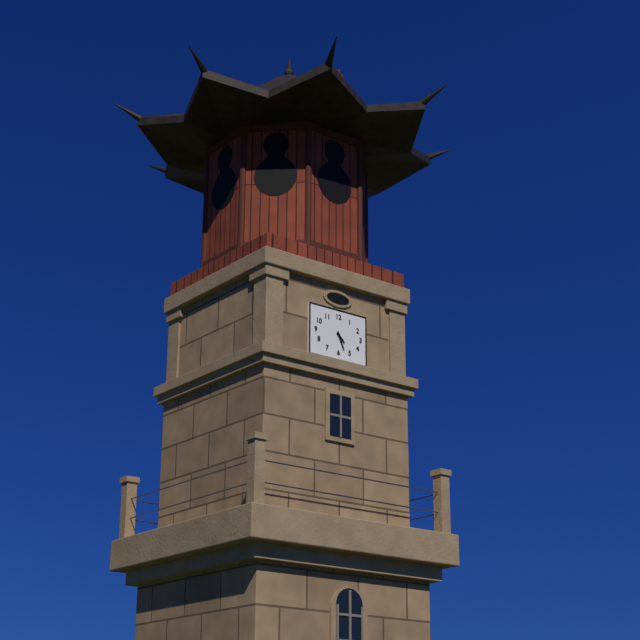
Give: 4:26
